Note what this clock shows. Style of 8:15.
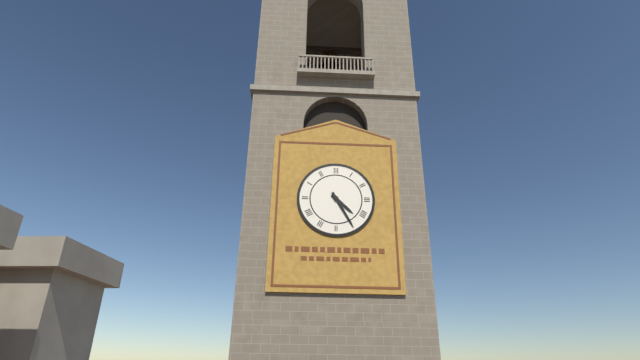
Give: 4:25
